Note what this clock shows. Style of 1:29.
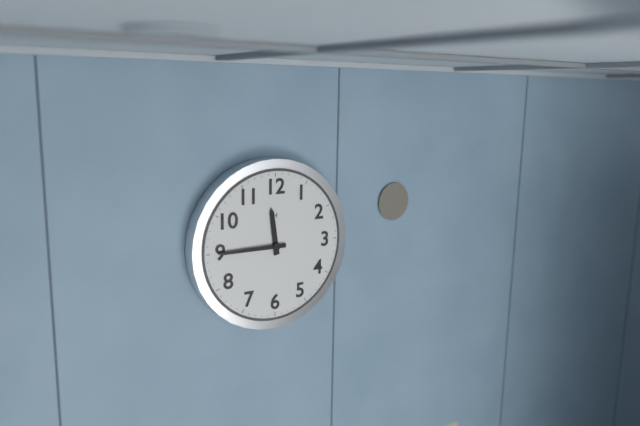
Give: 11:45
